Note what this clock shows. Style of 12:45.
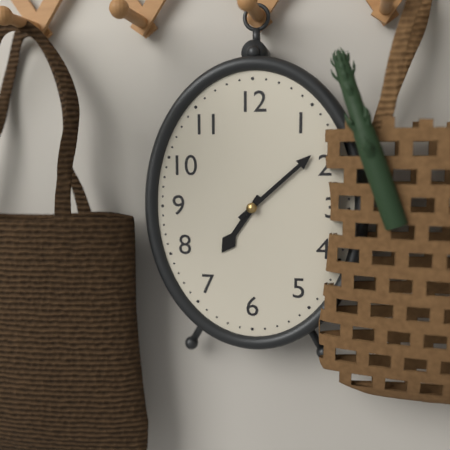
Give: 7:08
